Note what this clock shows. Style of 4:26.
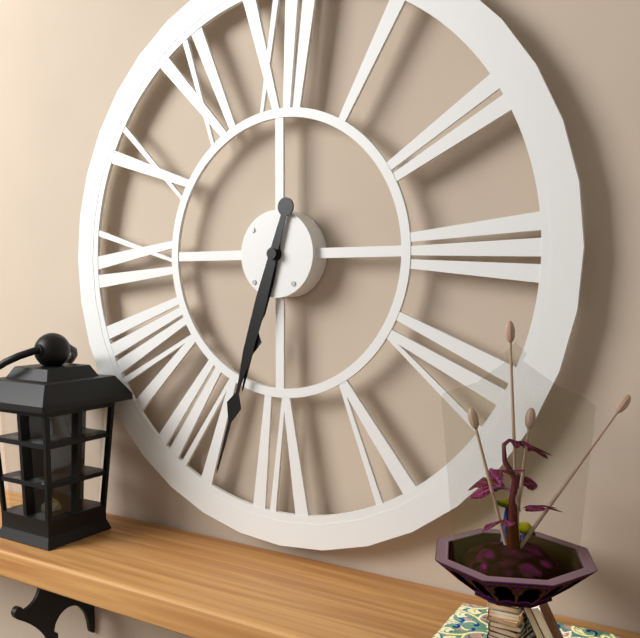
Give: 6:33
